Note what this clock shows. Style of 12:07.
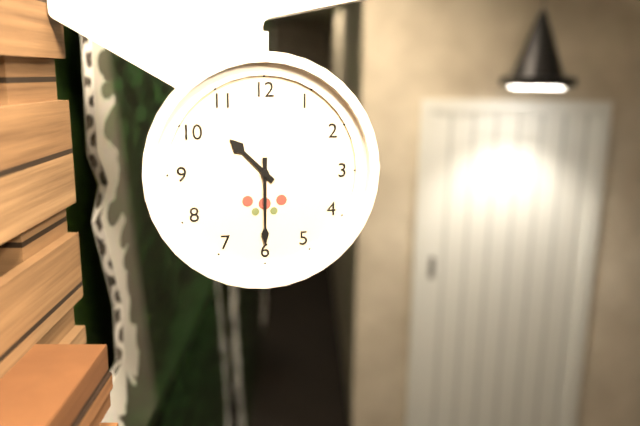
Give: 10:30
